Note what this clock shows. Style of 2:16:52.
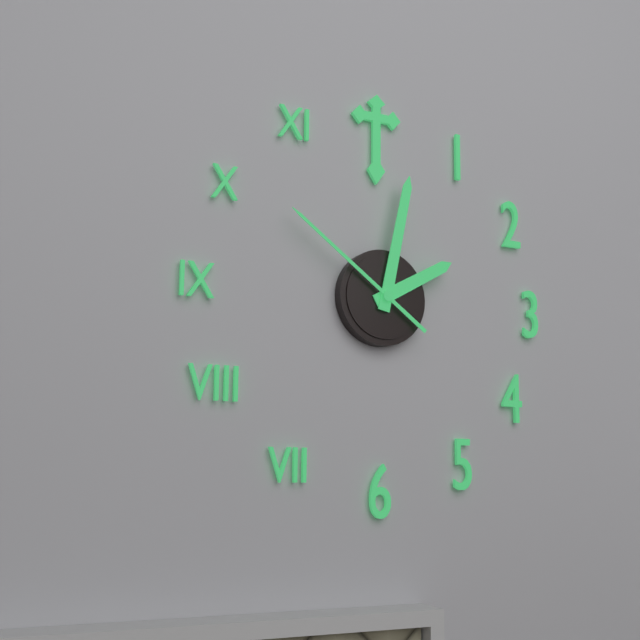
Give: 2:02:51
